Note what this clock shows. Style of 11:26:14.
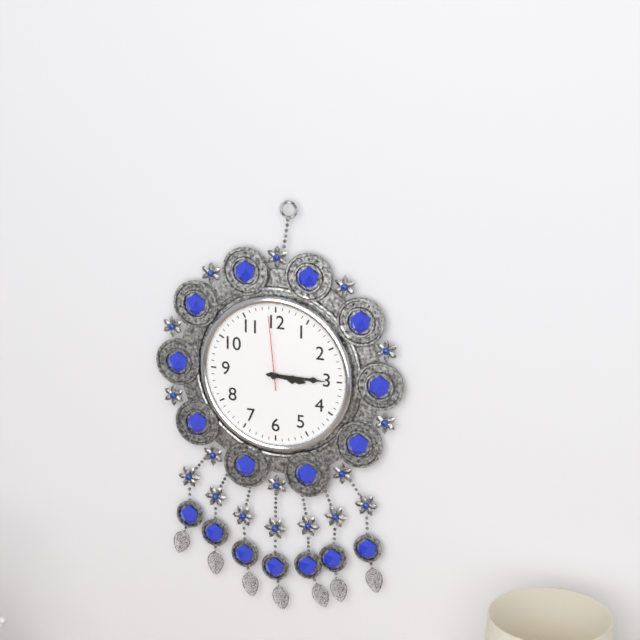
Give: 3:15:59
